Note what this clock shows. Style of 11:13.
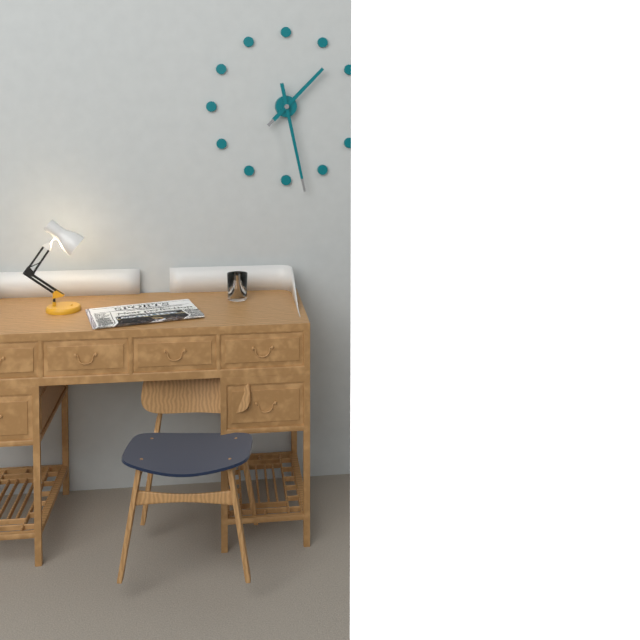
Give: 1:28
